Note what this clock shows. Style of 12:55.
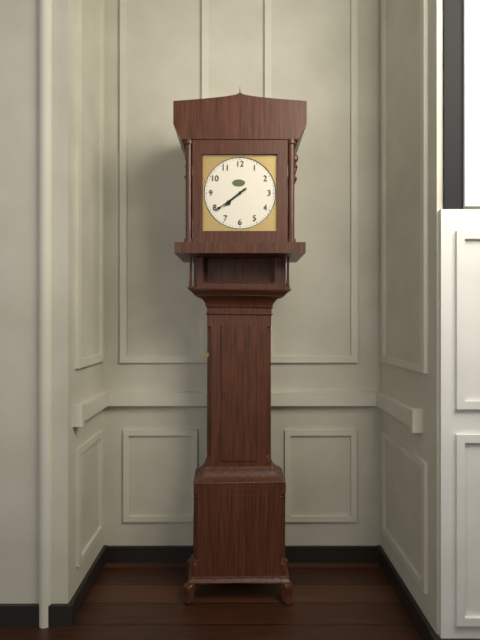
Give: 7:39
